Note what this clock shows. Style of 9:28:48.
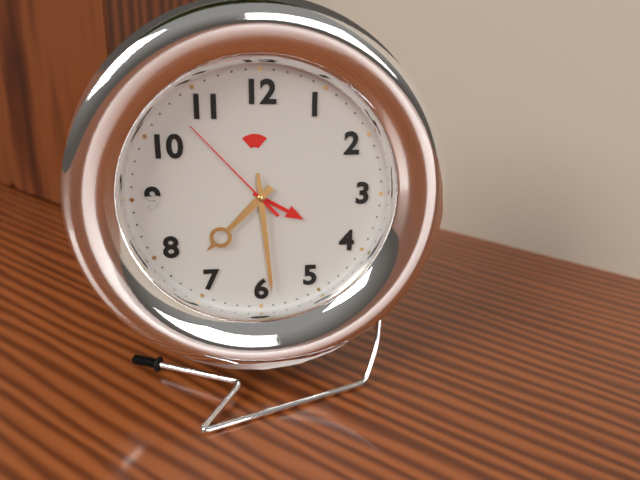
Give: 7:29:53
